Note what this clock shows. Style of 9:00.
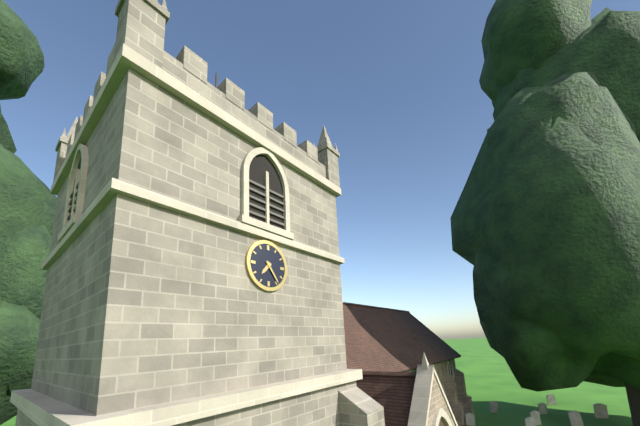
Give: 7:24
